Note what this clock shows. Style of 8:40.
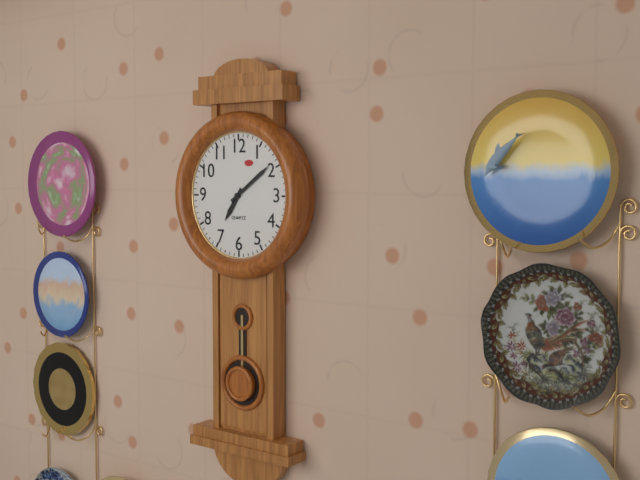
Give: 7:09
